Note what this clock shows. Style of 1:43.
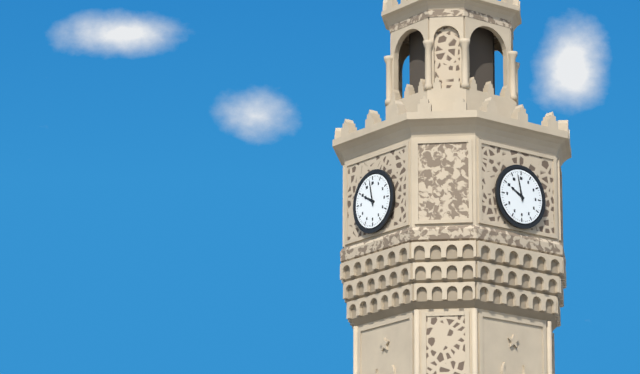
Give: 9:58
